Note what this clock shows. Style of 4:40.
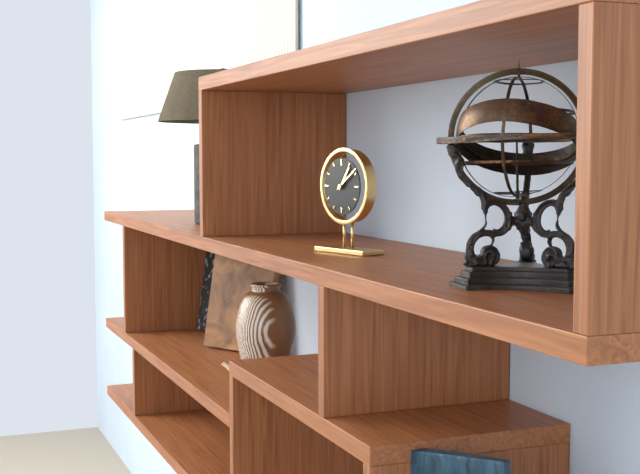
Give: 1:09
